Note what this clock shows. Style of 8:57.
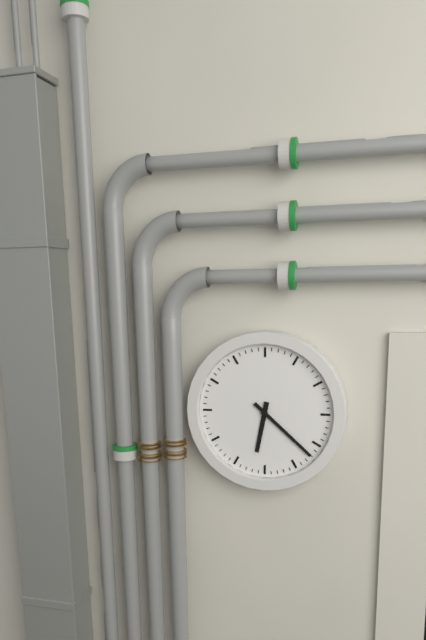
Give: 6:22
